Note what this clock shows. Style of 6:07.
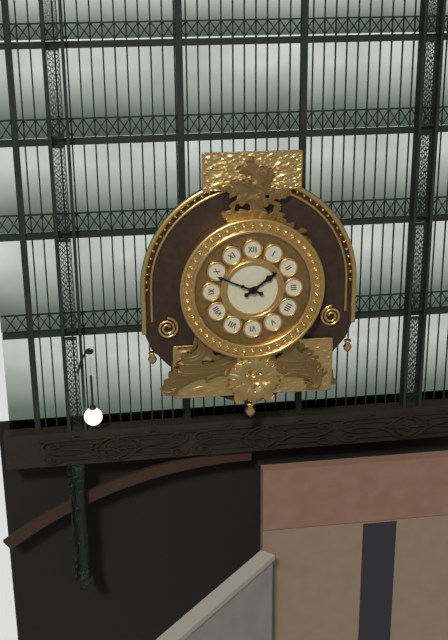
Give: 1:49
